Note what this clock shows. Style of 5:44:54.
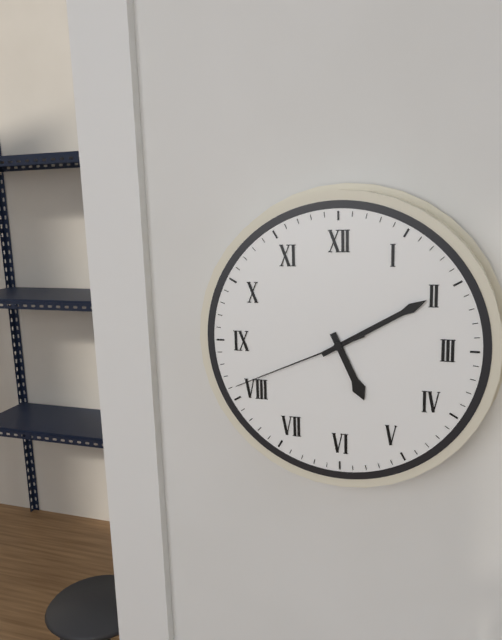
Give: 5:10:41
